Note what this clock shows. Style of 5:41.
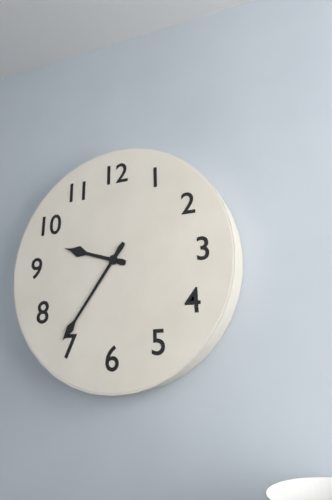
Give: 9:36
